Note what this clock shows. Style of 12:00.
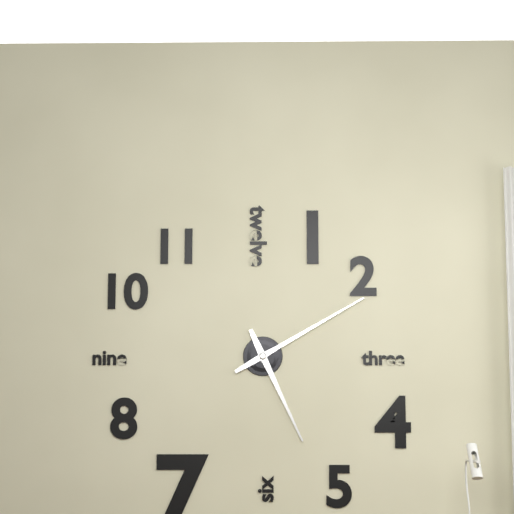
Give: 5:10
